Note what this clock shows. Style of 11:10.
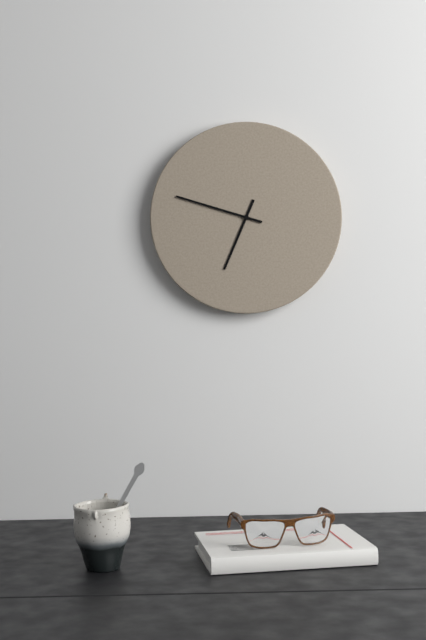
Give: 6:48
